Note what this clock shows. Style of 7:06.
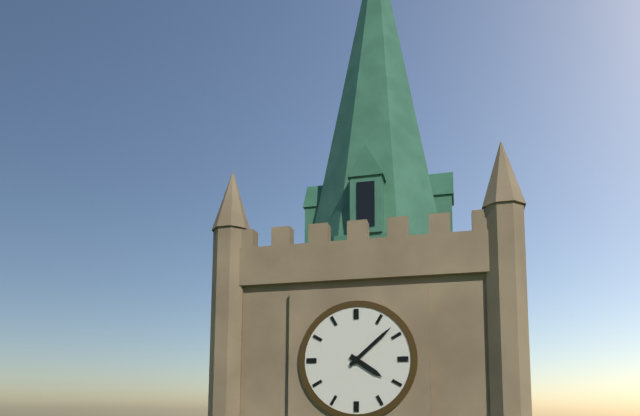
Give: 4:08
